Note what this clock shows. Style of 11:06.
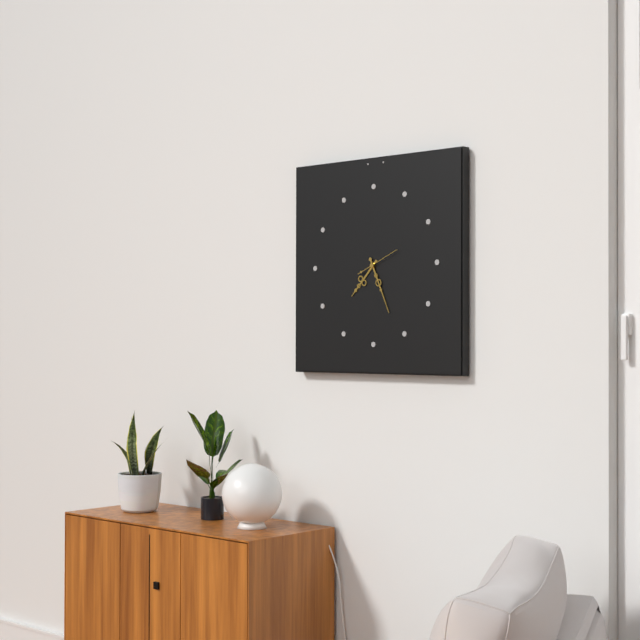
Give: 7:26
